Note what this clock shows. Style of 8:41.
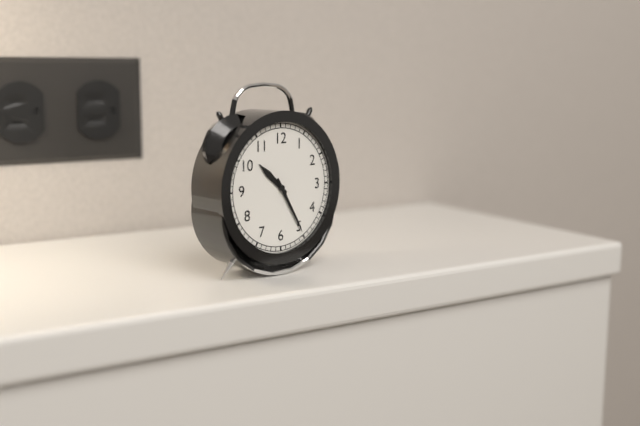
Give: 10:25
